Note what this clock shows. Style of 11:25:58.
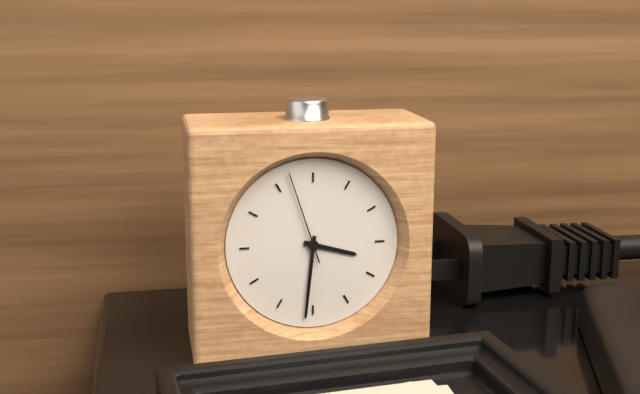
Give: 3:31:57
